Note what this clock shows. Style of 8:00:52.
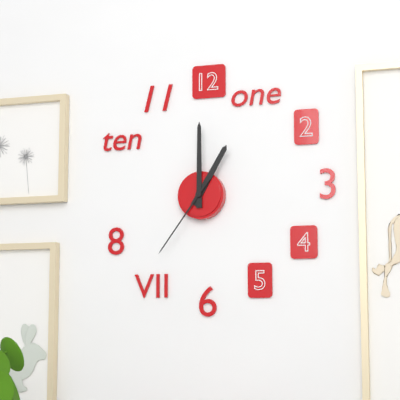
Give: 1:00:36
